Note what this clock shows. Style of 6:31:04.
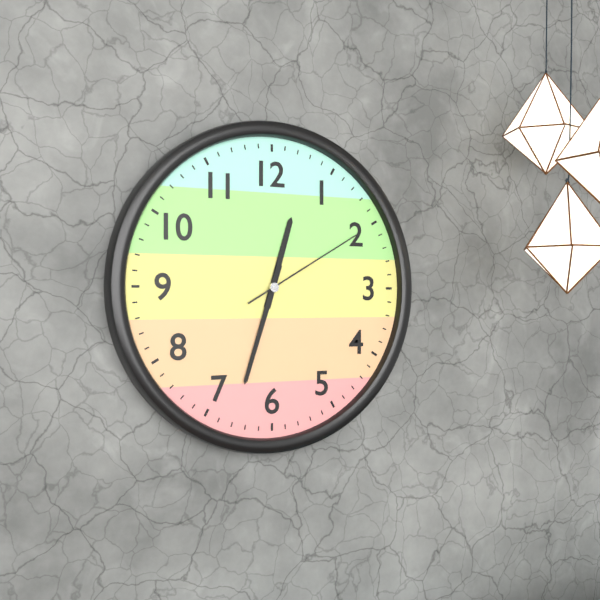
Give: 12:33:10
